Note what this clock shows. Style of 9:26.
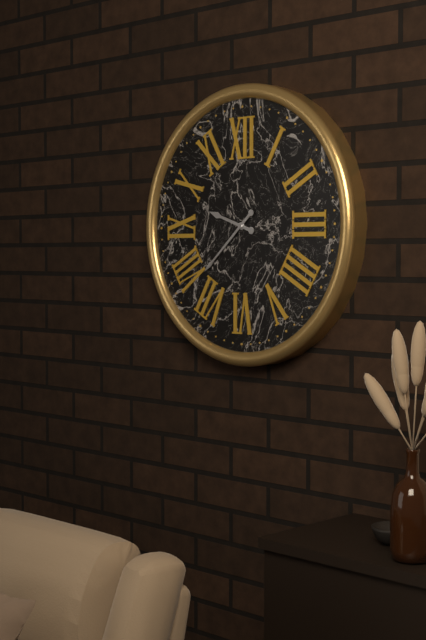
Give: 9:38
